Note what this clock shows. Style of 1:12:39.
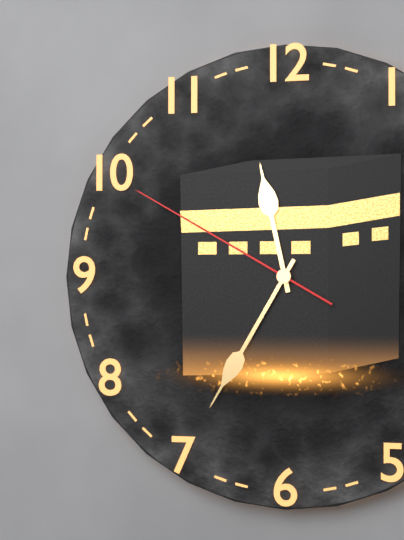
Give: 11:35:50
